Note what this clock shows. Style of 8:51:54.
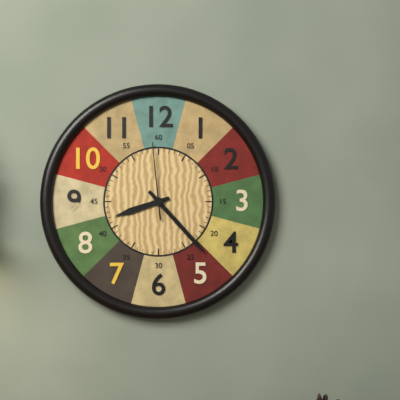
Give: 8:23:59
